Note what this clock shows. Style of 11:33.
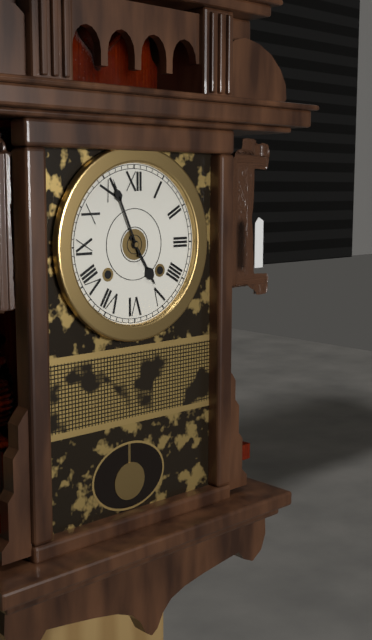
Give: 4:56
